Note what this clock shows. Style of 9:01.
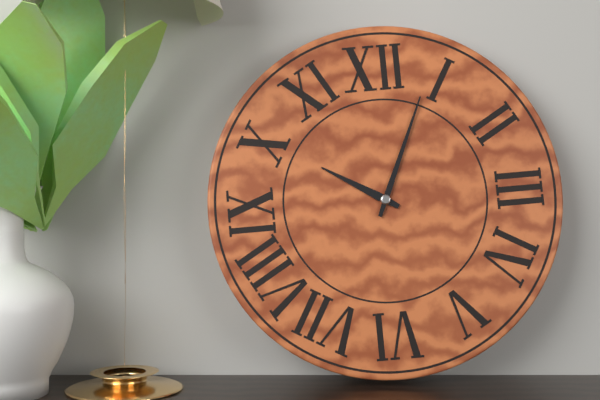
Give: 10:04
